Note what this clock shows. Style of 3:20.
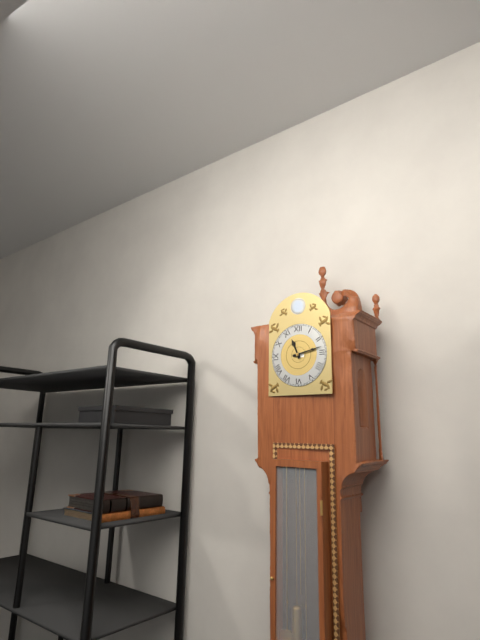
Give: 11:13
